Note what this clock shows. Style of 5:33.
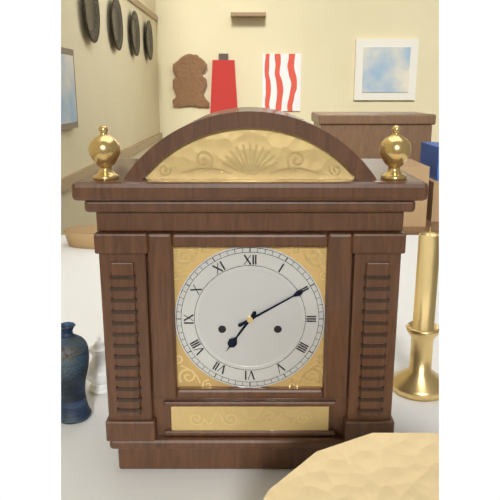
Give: 7:10
